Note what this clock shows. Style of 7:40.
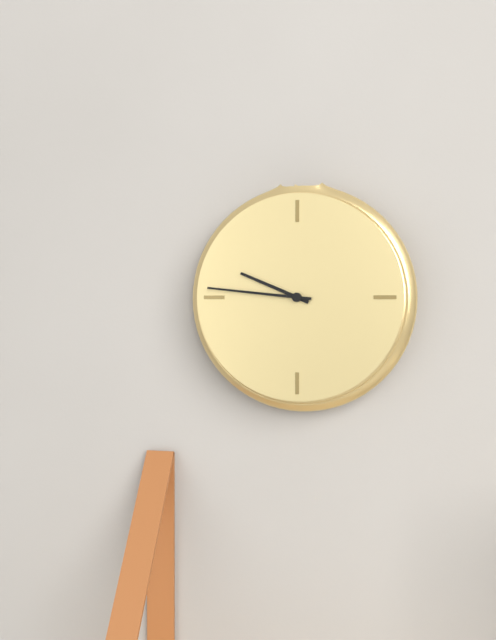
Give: 9:46
